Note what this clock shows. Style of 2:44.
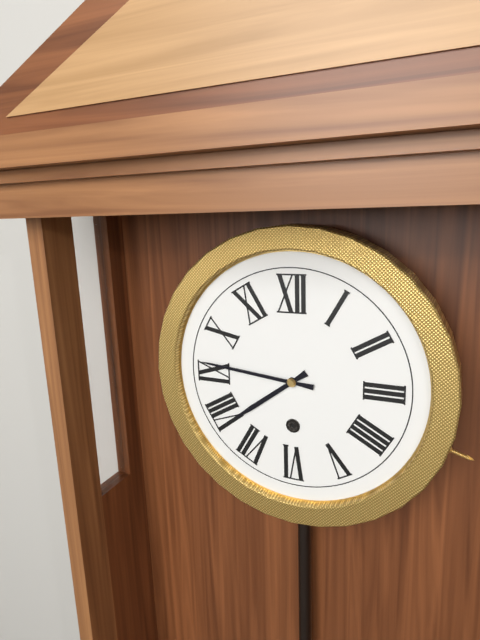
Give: 7:46
